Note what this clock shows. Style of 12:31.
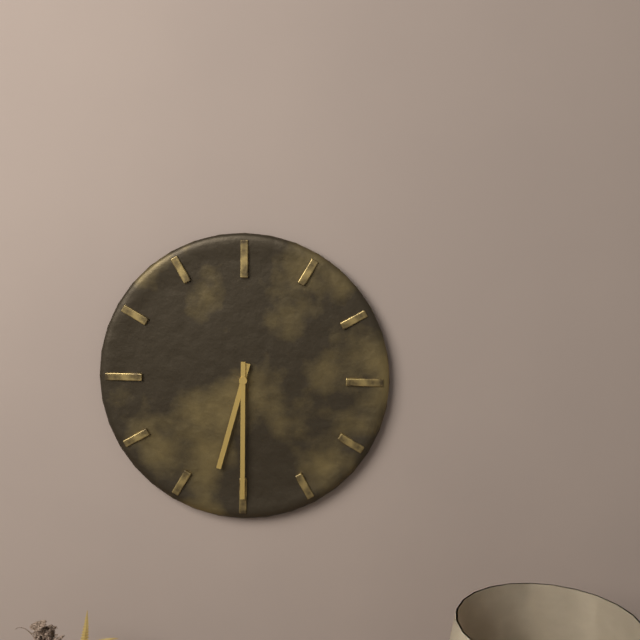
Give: 6:30
